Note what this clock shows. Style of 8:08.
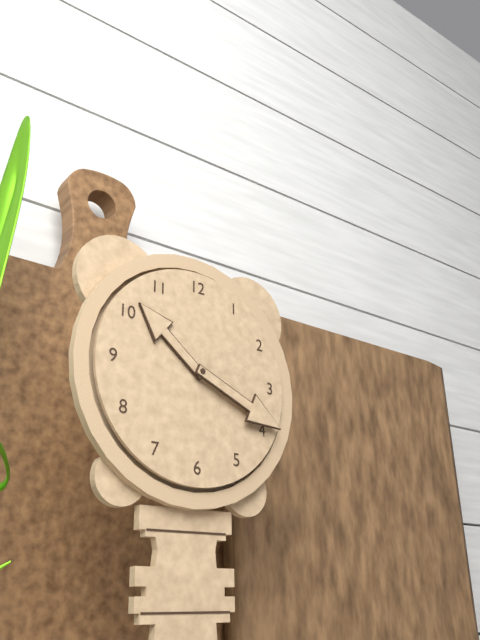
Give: 10:19
